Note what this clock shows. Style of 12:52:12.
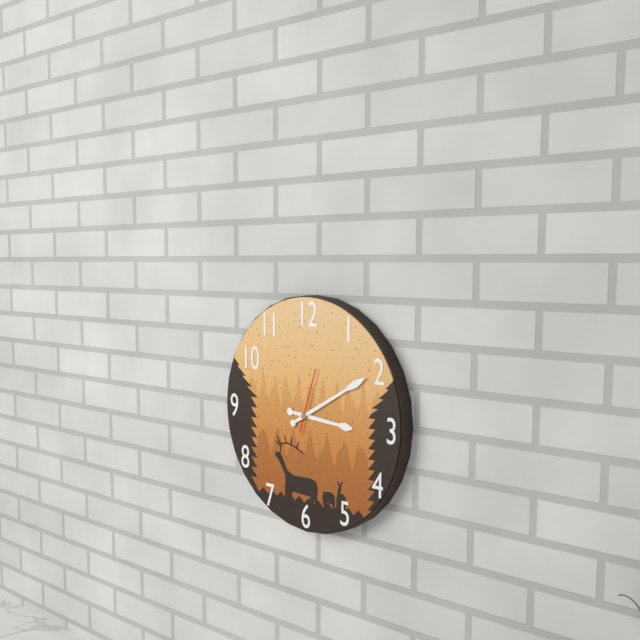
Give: 3:10:03
